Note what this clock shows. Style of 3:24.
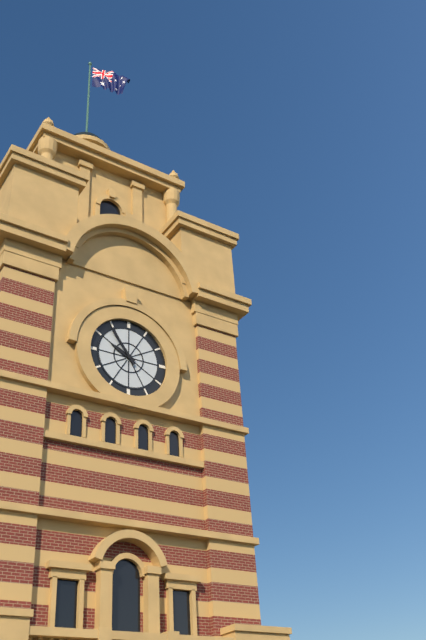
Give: 9:54
